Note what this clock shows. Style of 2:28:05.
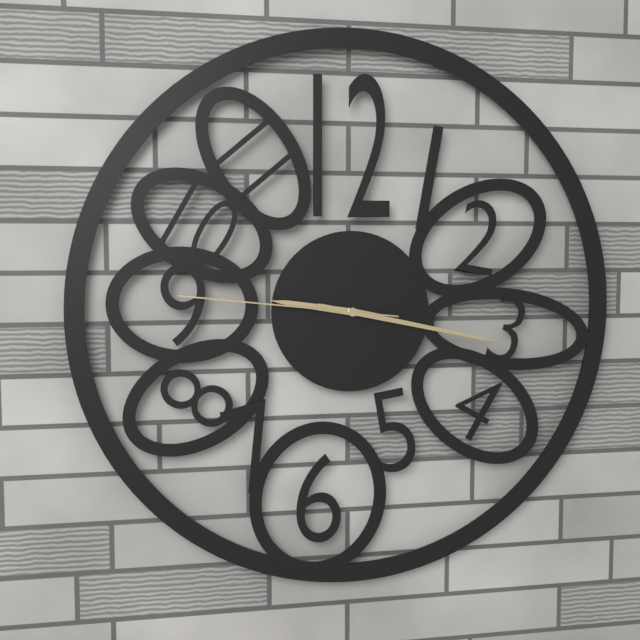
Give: 9:17:46
